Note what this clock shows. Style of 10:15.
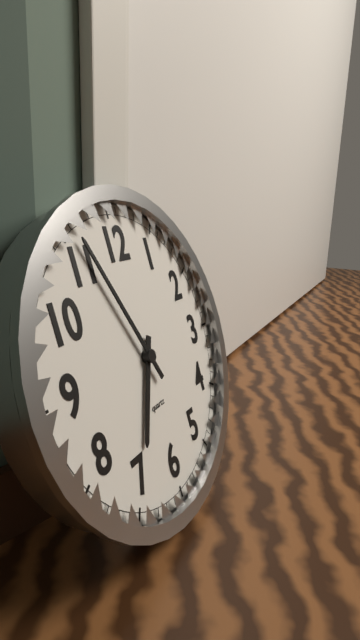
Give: 6:56
